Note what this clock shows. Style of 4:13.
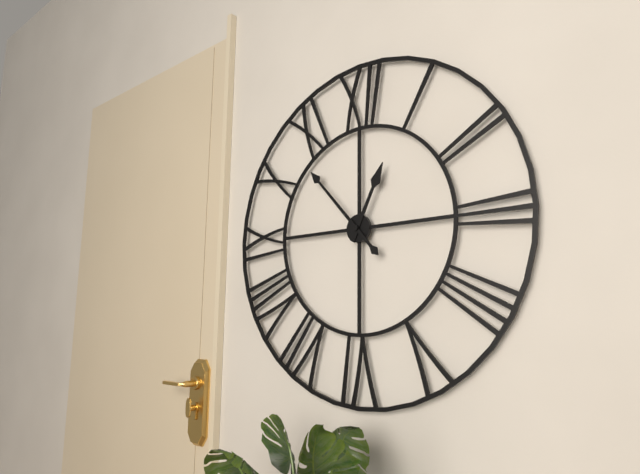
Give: 12:53
